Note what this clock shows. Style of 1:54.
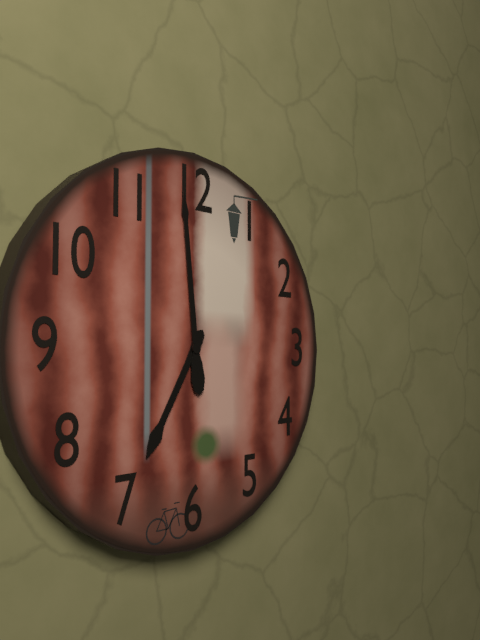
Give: 6:59
